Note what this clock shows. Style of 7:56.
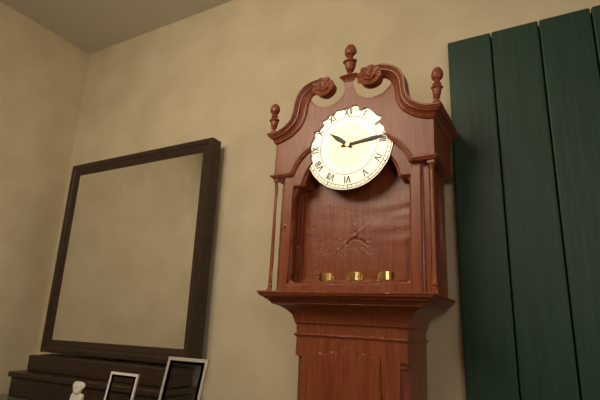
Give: 10:14
